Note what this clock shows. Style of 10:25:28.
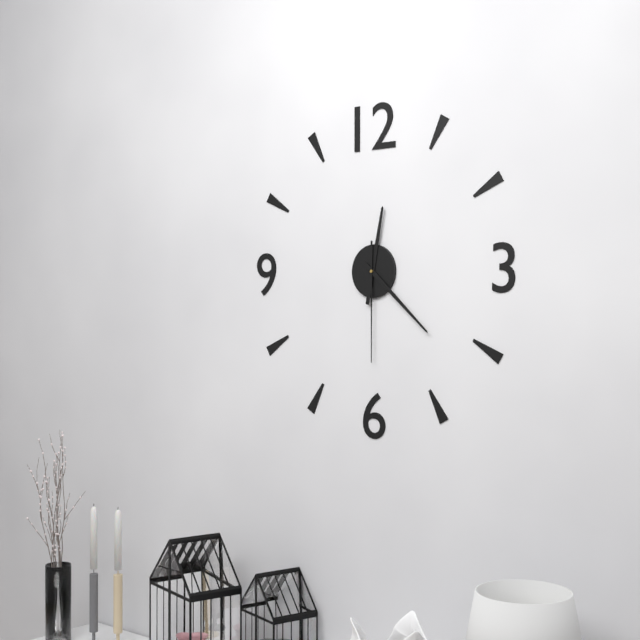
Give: 12:22:30
